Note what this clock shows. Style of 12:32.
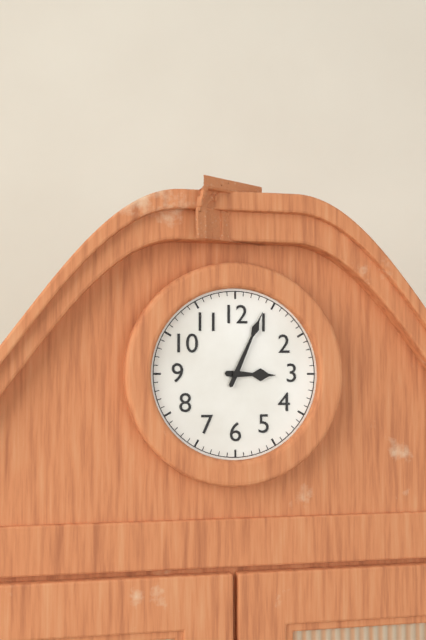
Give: 3:04
